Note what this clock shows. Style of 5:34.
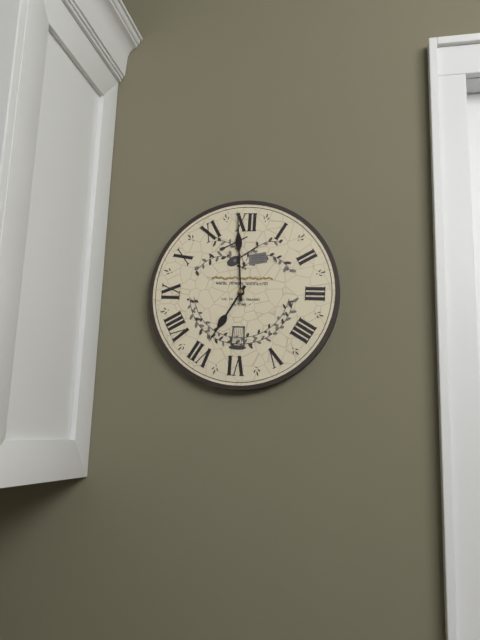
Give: 6:59
